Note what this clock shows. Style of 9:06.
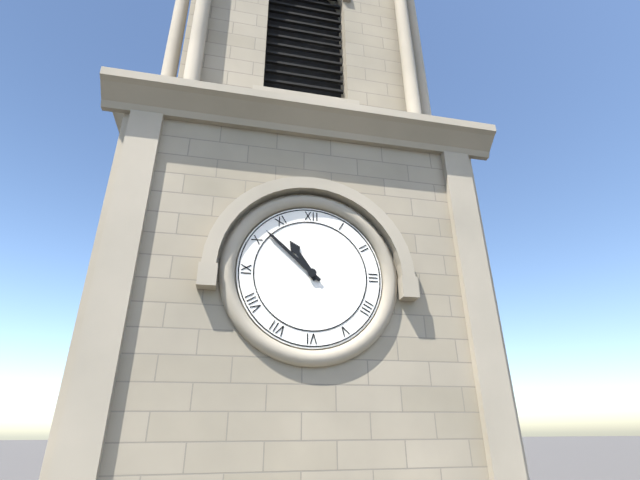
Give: 10:52
